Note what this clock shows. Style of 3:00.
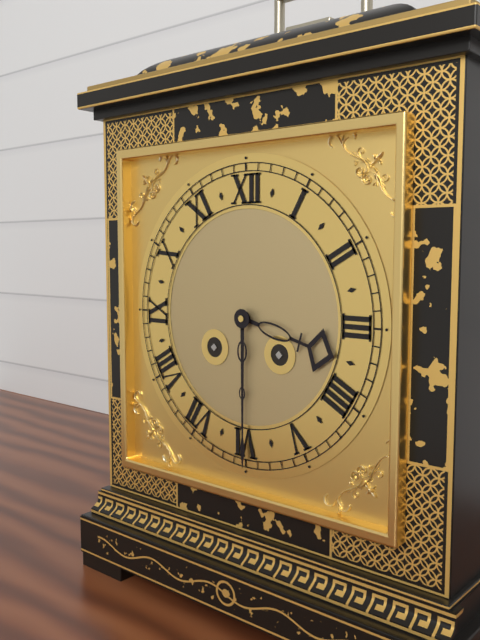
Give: 3:30
